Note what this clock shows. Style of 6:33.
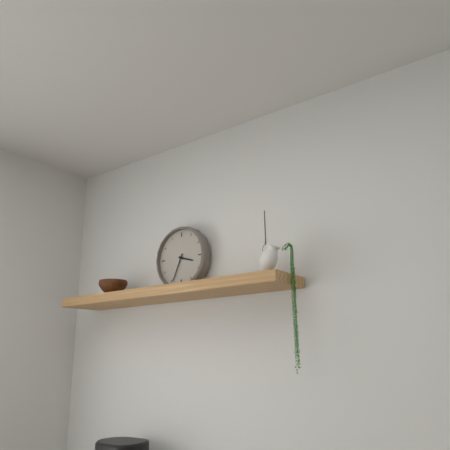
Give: 3:34
